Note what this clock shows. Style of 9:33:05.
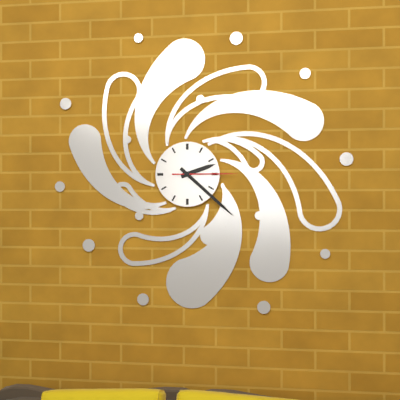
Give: 2:22:15
